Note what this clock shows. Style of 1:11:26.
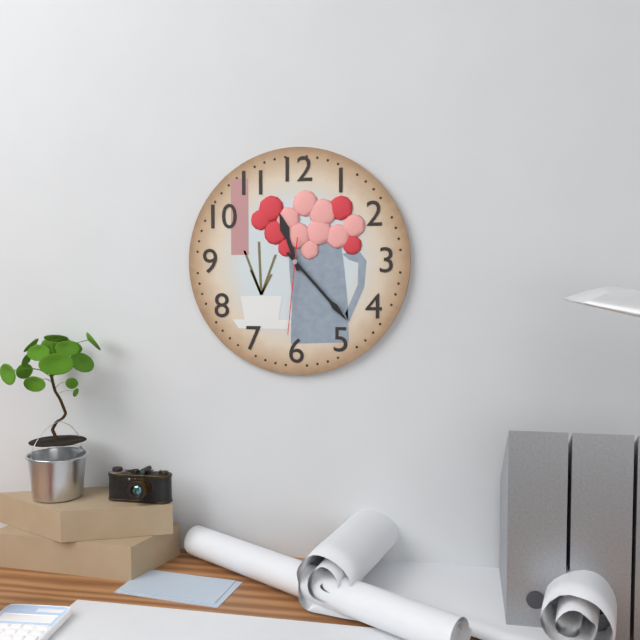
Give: 11:23:31
